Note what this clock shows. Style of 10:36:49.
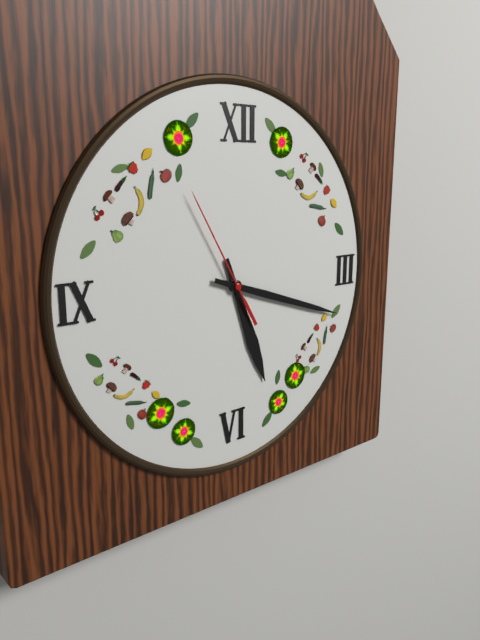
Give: 5:18:55
